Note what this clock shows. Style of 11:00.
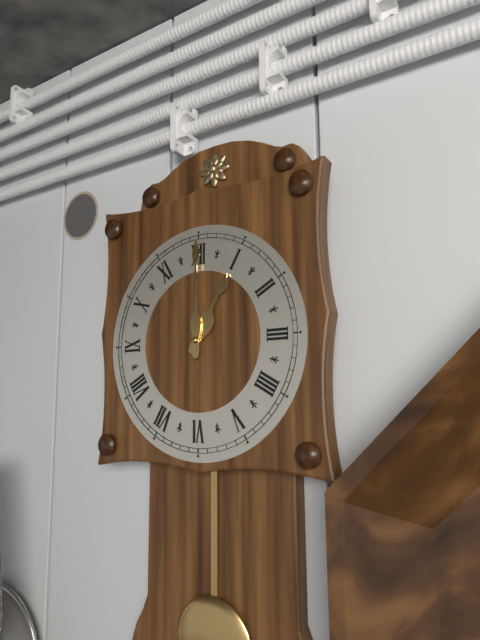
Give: 1:00
